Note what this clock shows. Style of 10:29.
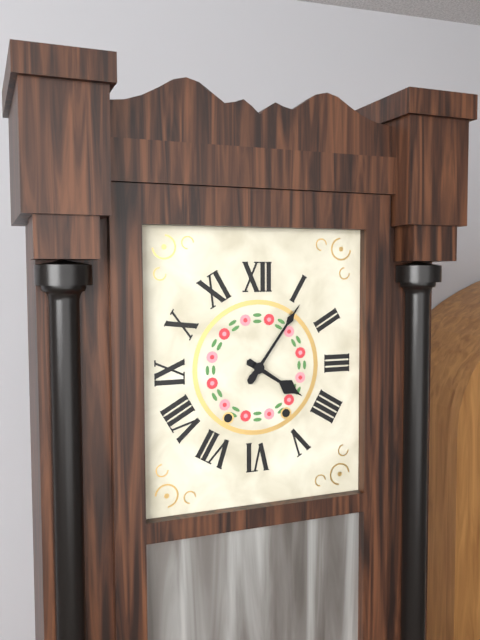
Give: 4:06
